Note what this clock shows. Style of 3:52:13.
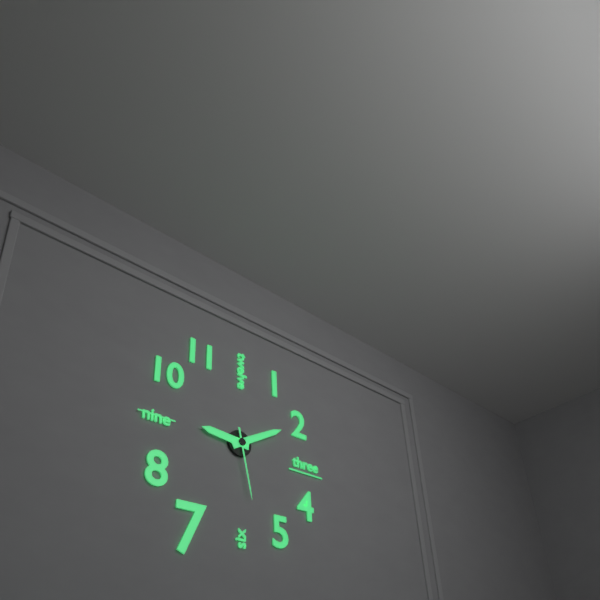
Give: 9:10:28
